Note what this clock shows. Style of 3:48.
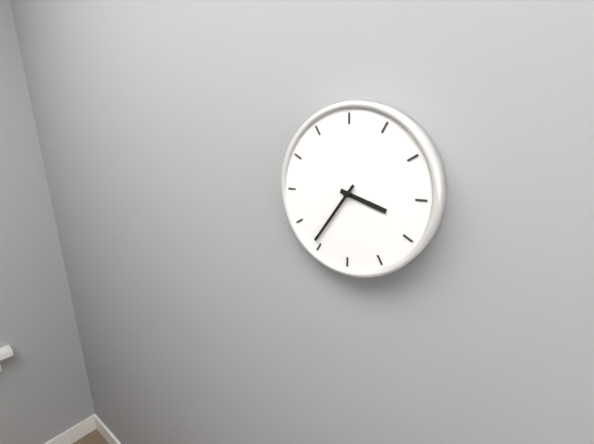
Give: 3:36
